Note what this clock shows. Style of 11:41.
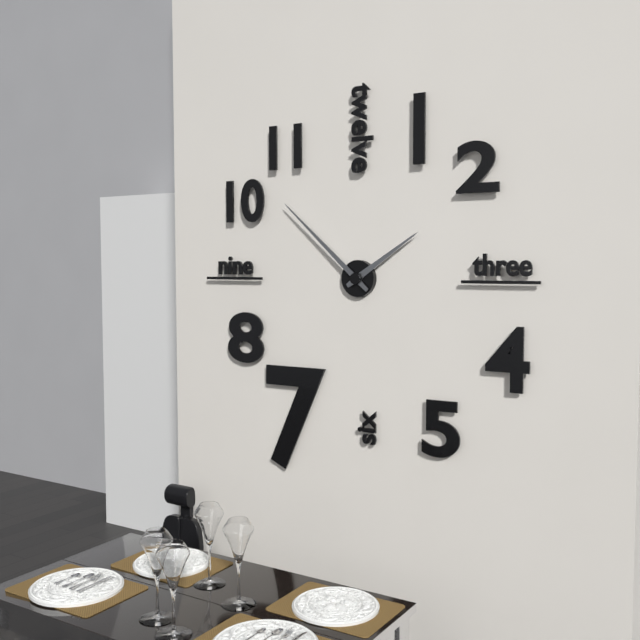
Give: 1:52
